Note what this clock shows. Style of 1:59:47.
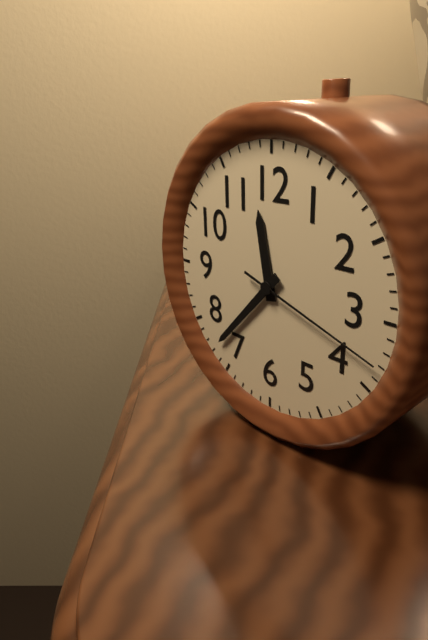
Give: 11:37:18
